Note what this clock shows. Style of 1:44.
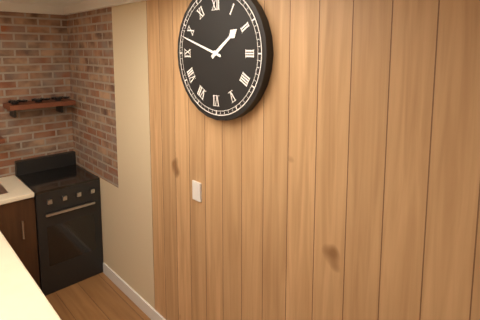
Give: 1:48
